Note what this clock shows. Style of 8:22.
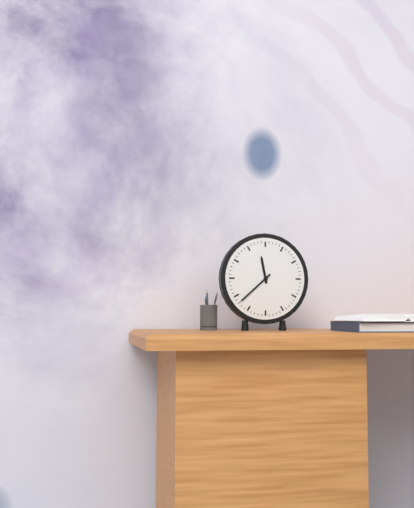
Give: 11:38
